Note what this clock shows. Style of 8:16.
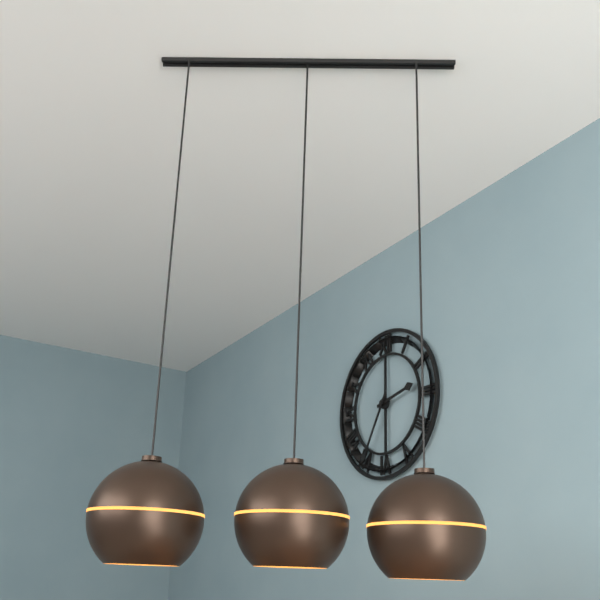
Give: 2:35
